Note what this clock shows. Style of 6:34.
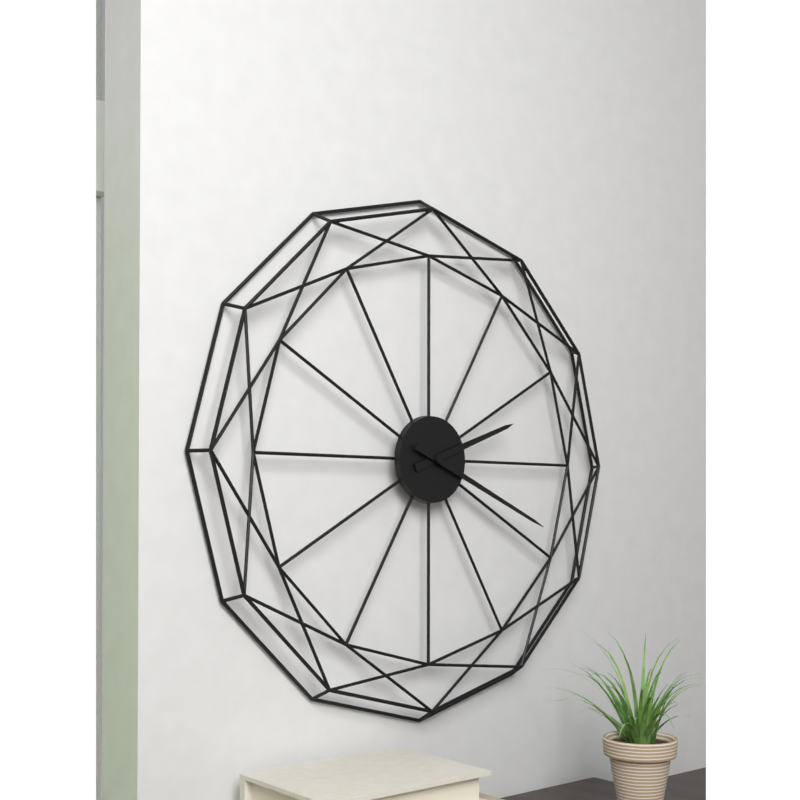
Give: 2:19
